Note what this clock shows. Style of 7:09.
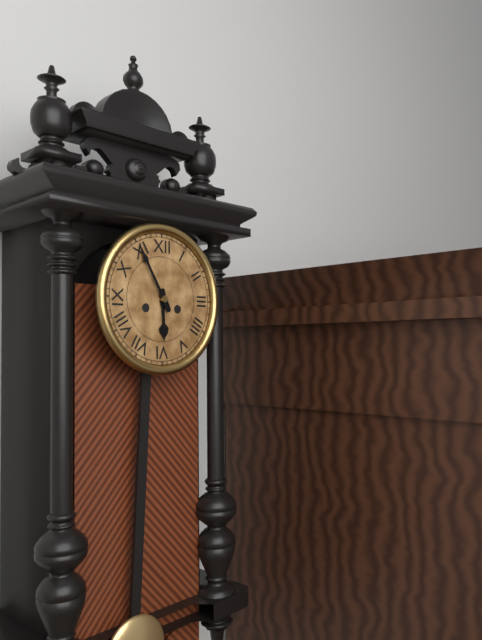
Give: 5:55
